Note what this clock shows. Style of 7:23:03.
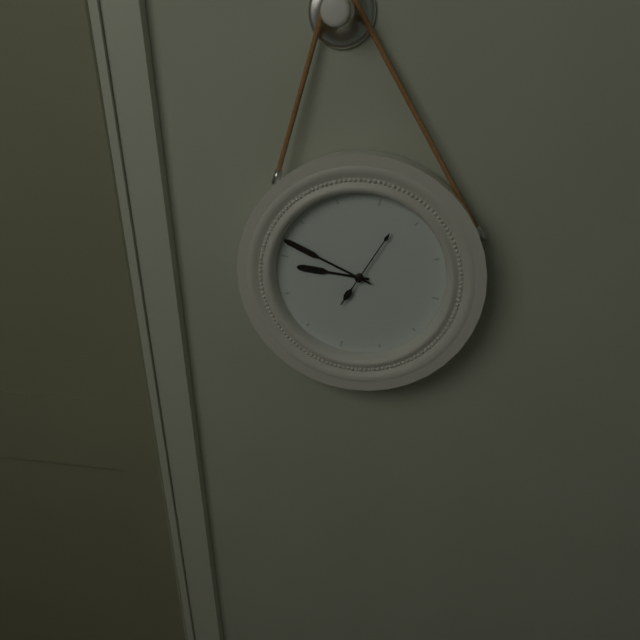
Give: 8:47:03
